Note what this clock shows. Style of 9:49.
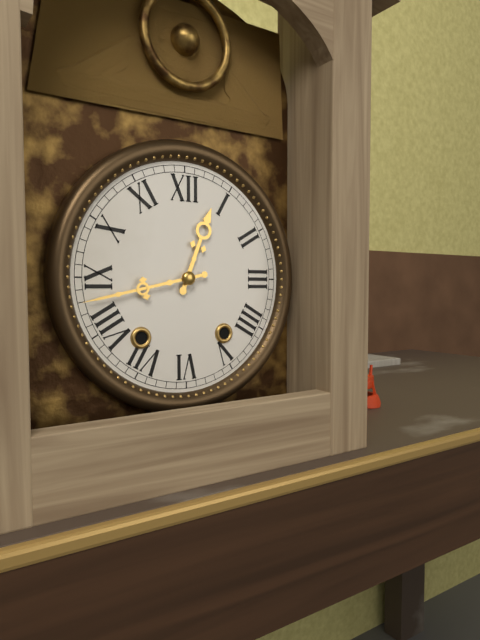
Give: 12:43
